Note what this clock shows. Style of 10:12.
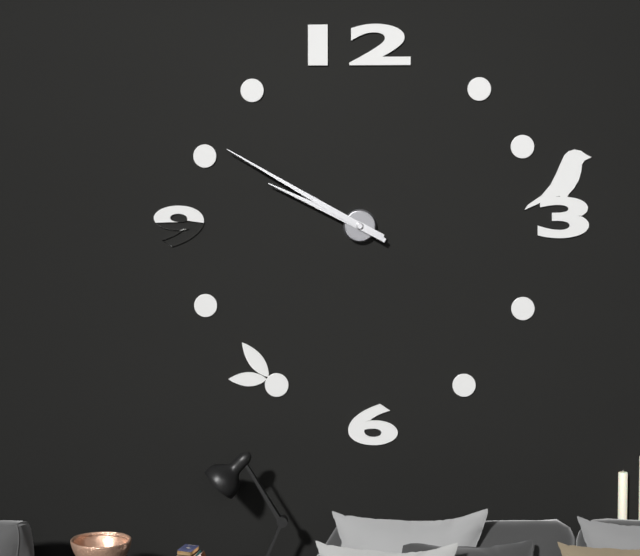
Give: 9:50
